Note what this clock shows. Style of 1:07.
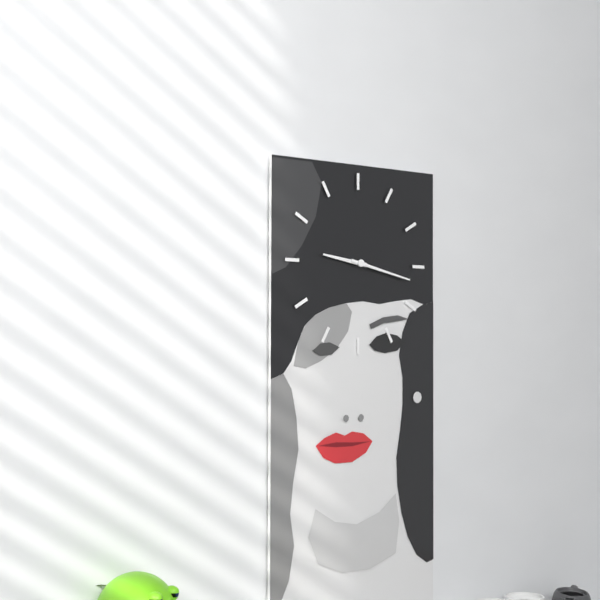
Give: 9:17
